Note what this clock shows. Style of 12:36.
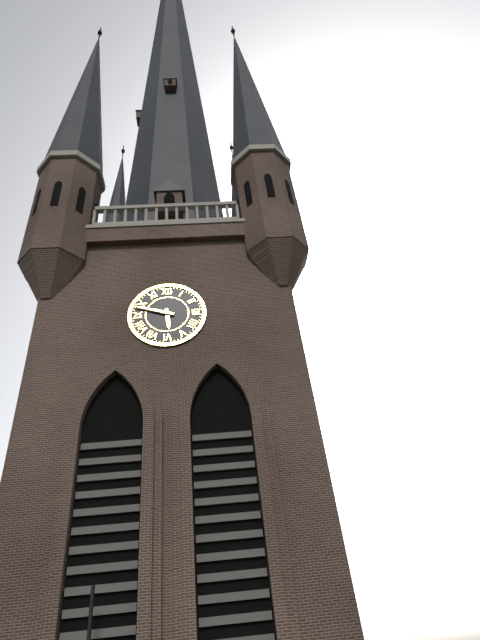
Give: 5:48
